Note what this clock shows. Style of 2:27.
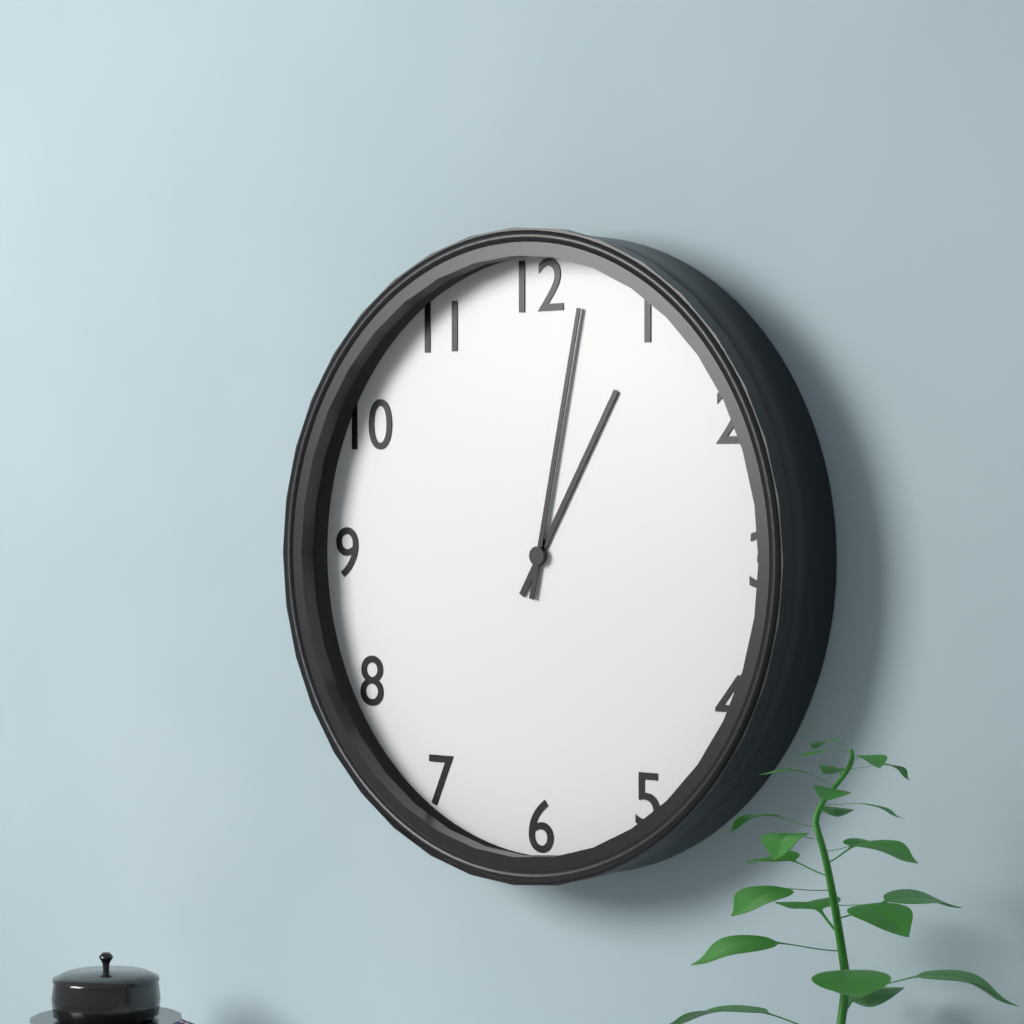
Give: 1:02
